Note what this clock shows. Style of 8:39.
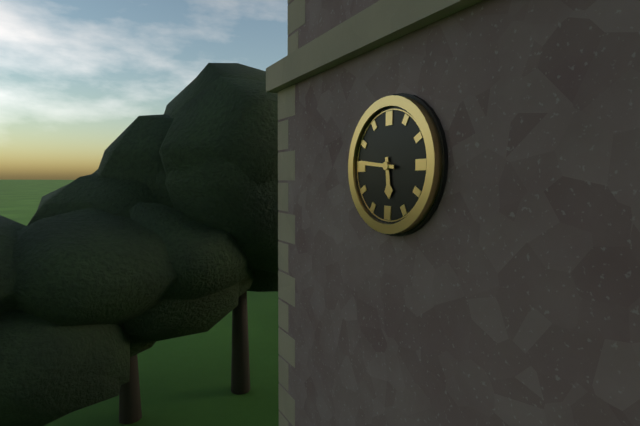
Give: 5:46
